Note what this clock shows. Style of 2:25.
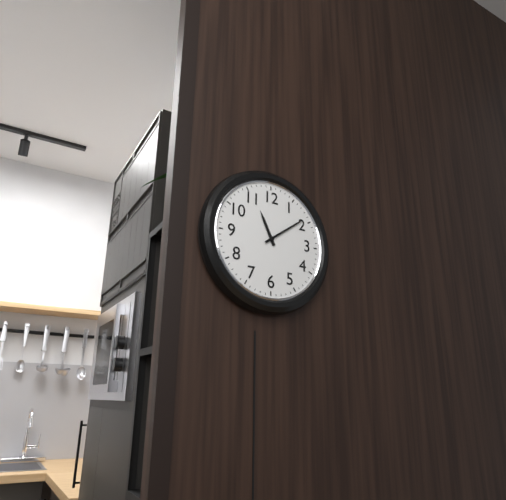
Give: 11:09
